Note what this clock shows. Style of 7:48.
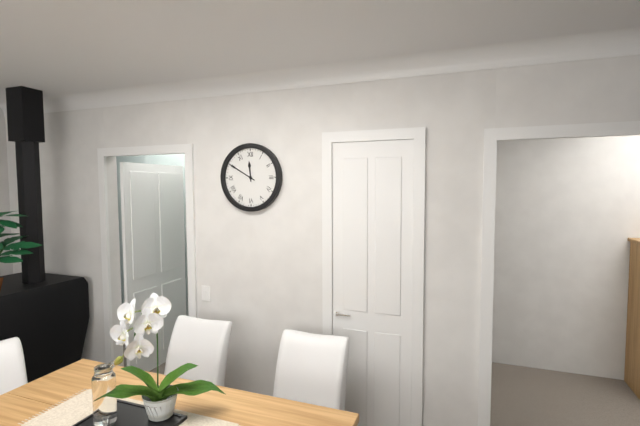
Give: 11:50
